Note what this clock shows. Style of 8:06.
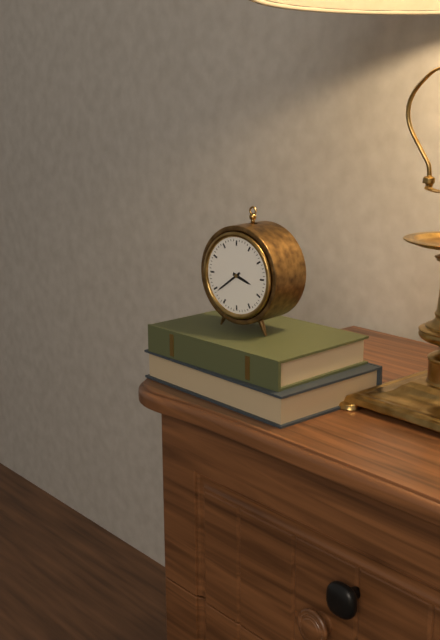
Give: 3:39
